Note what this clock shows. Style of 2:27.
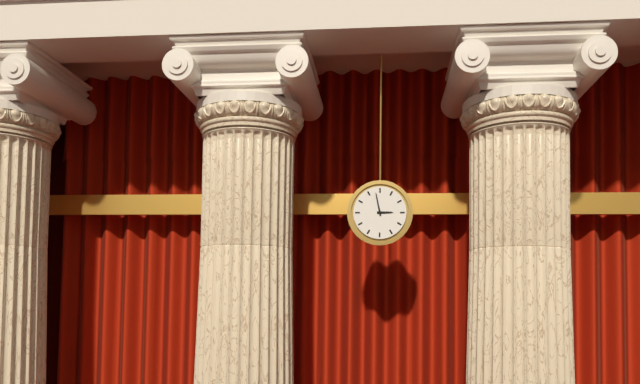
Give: 2:58
